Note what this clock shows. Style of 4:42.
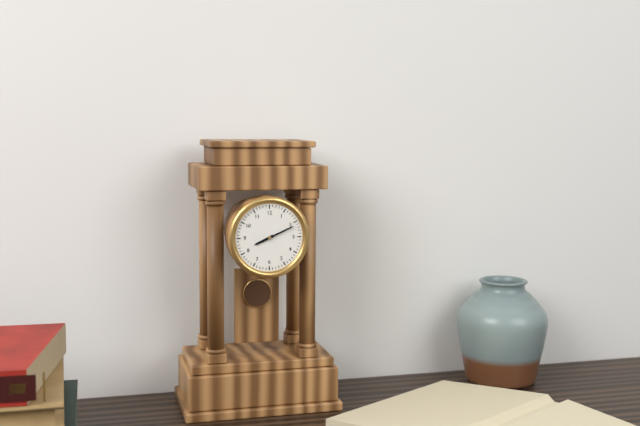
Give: 8:11
